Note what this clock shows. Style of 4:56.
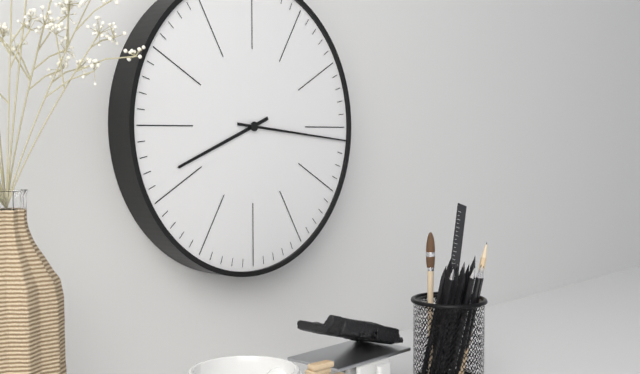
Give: 8:16
